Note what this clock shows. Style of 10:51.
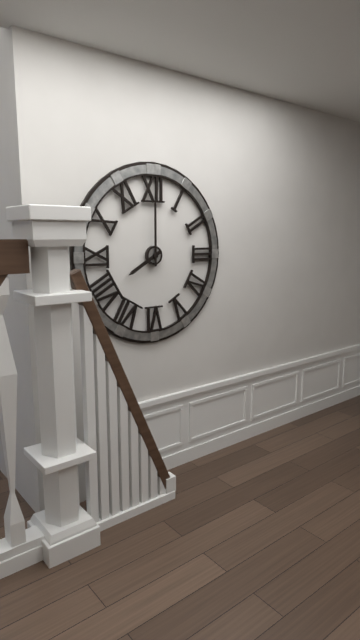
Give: 8:00
